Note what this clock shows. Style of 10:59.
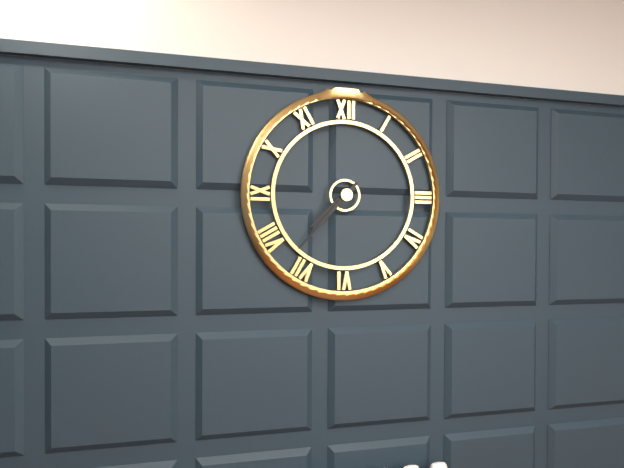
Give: 7:37
